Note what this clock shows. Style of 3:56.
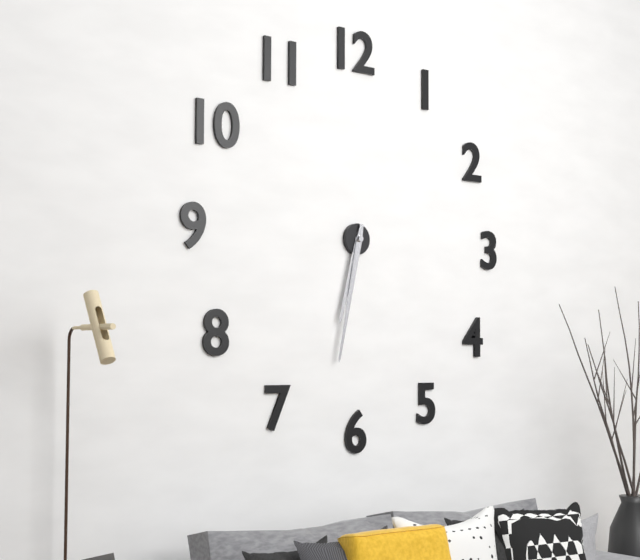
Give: 6:32
